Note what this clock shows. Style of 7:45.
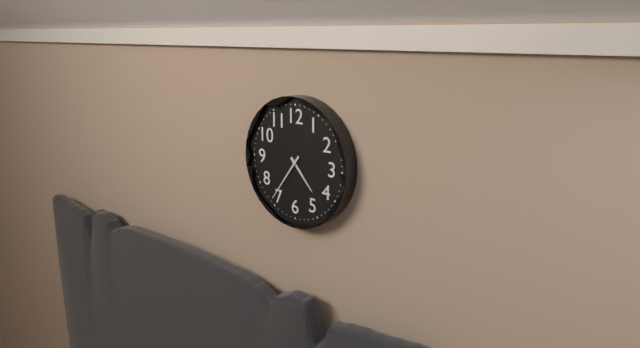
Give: 4:36
